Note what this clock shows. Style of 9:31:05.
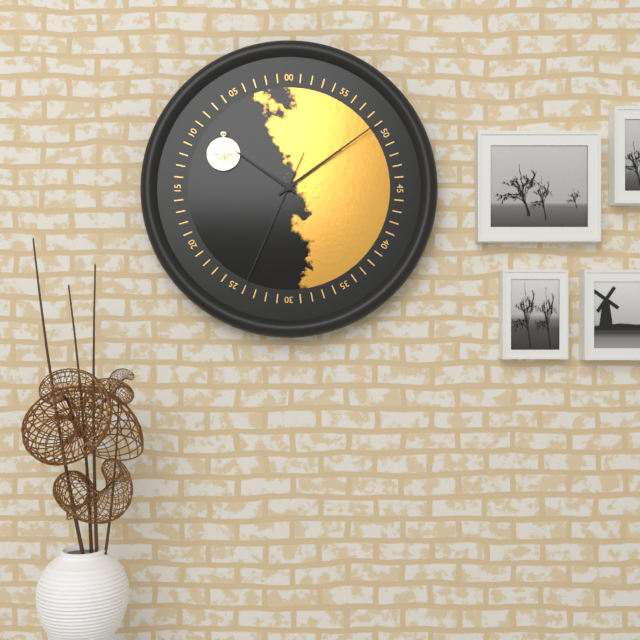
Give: 10:09:34
